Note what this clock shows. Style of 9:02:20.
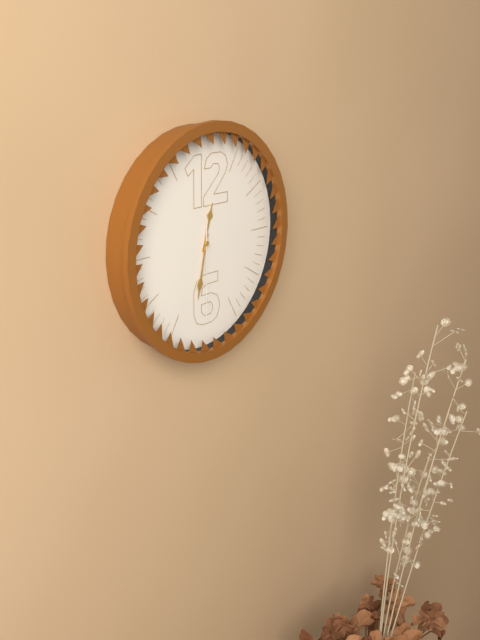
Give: 12:32:30
